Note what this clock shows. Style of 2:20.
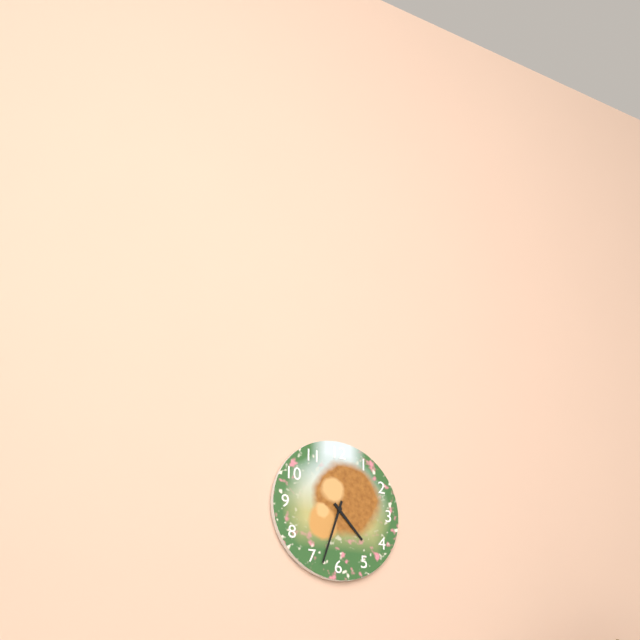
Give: 4:33
